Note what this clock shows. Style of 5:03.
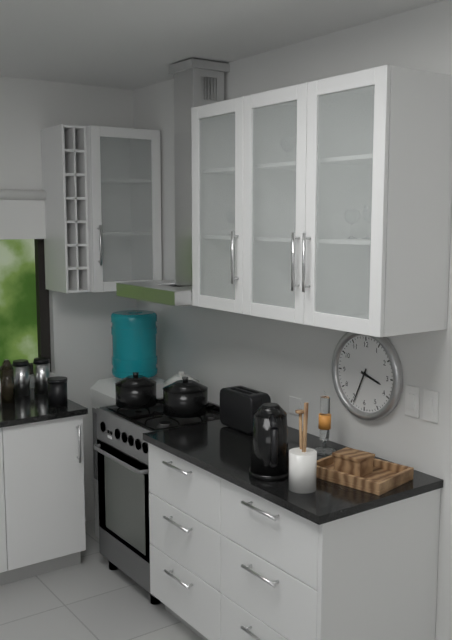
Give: 3:34
